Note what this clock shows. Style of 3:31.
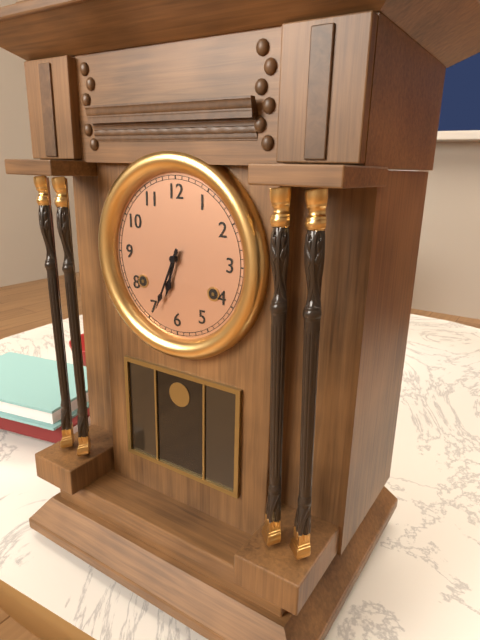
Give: 6:34
